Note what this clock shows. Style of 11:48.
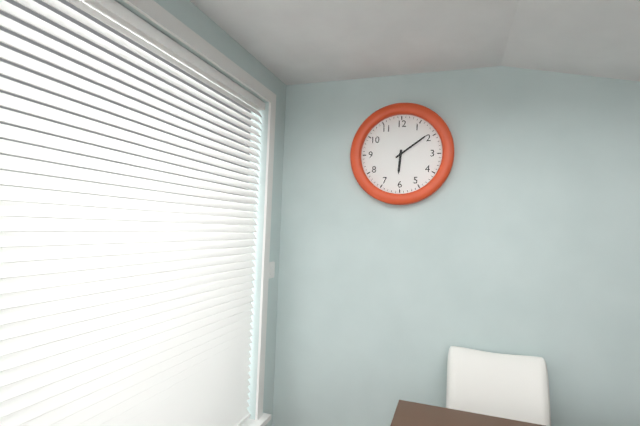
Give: 6:09
